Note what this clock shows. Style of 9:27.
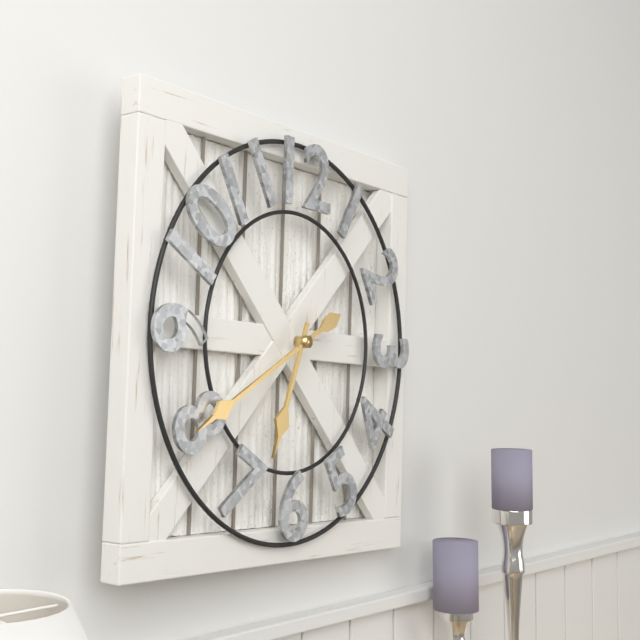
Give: 6:40
